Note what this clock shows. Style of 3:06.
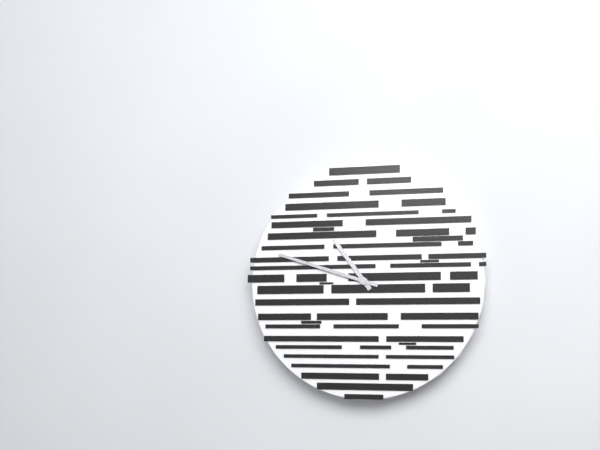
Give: 10:48
